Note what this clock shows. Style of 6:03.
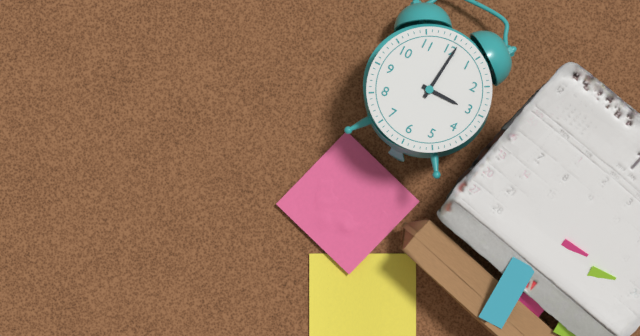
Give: 3:01
